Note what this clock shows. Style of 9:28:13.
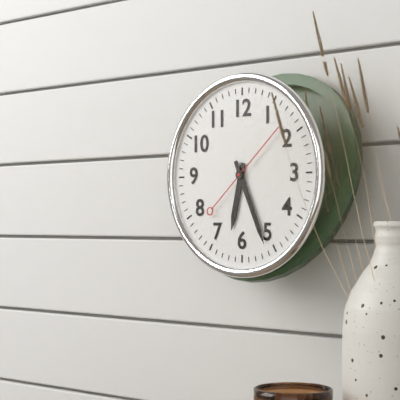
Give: 6:26:08
